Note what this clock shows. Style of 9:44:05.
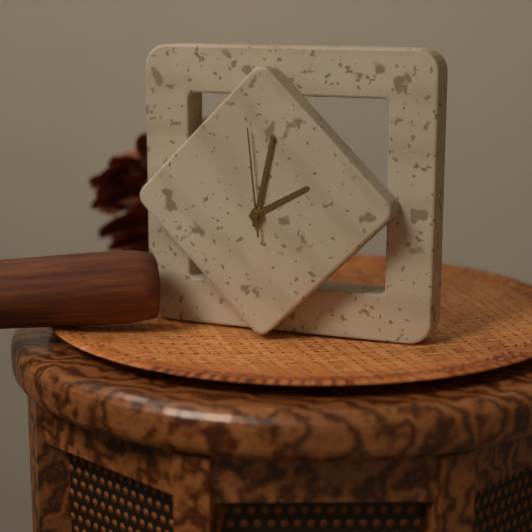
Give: 2:02:59
